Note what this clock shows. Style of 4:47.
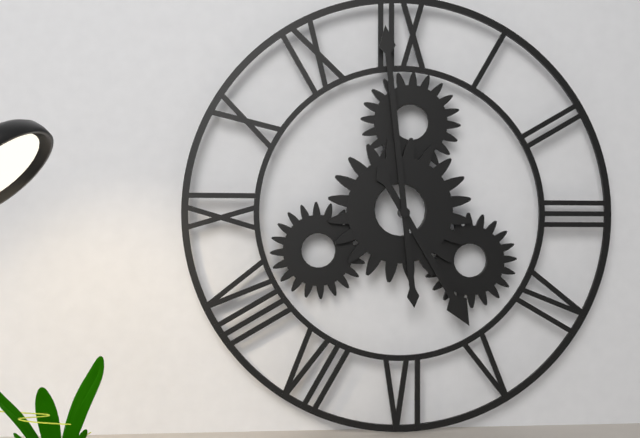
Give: 4:59
